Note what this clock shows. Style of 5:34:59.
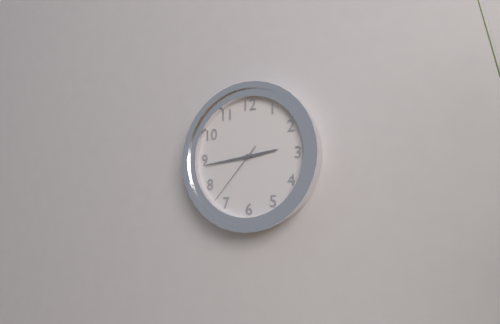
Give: 2:44:37
